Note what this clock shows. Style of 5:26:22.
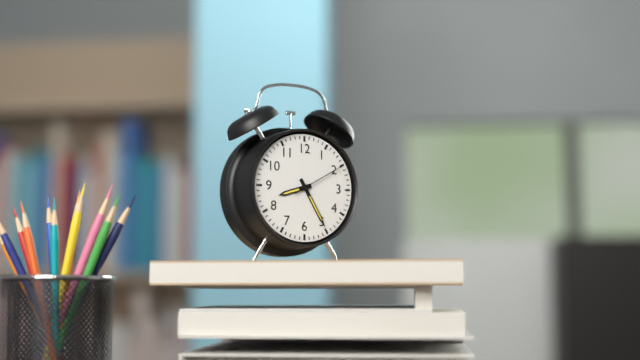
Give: 8:25:10
